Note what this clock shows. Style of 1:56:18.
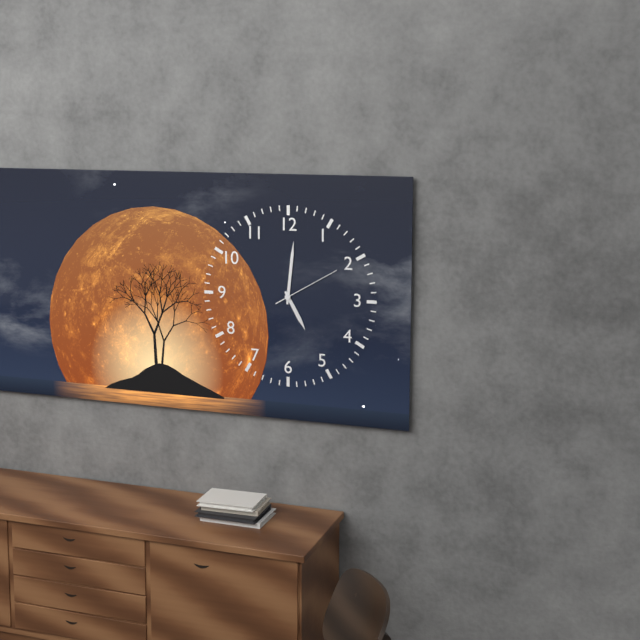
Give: 5:01:10
